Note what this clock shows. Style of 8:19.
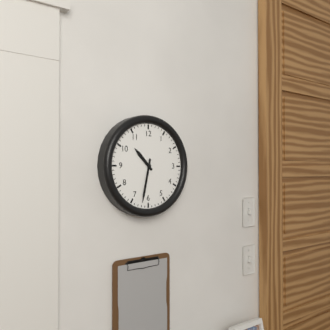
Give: 10:32
